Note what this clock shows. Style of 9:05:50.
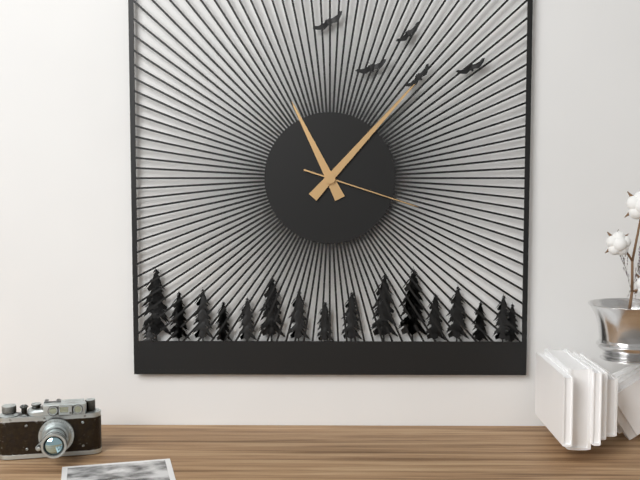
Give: 11:07:18
